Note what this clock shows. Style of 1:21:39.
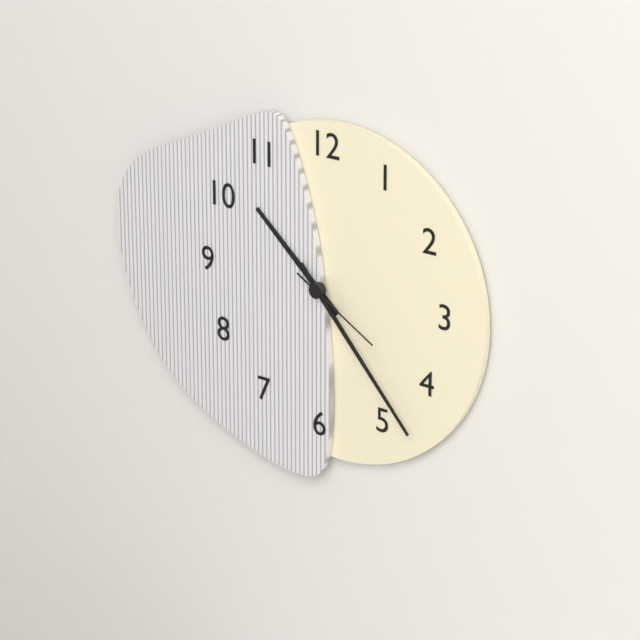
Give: 10:23:20
